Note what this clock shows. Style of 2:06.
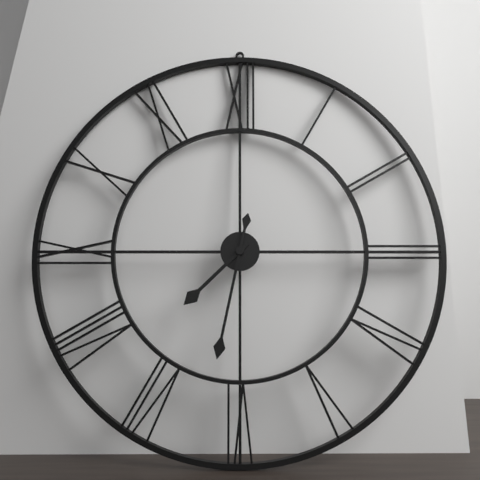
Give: 7:32
